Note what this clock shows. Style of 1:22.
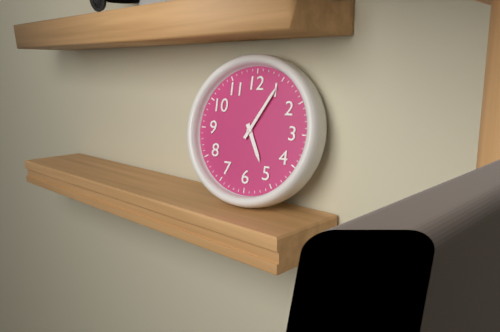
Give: 5:05
